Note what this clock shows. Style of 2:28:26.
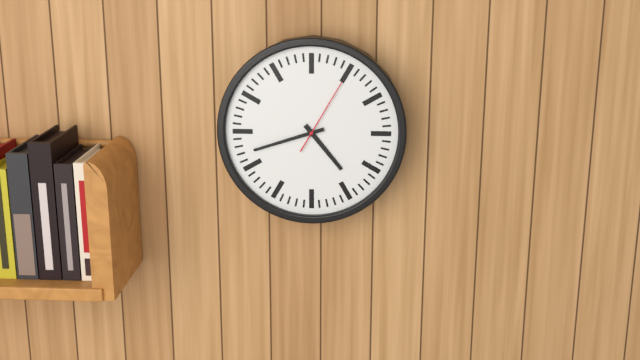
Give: 4:42:05
